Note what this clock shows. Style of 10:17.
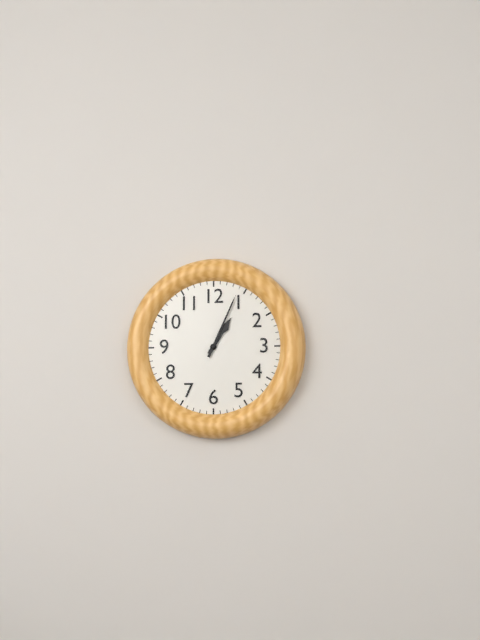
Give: 1:04
